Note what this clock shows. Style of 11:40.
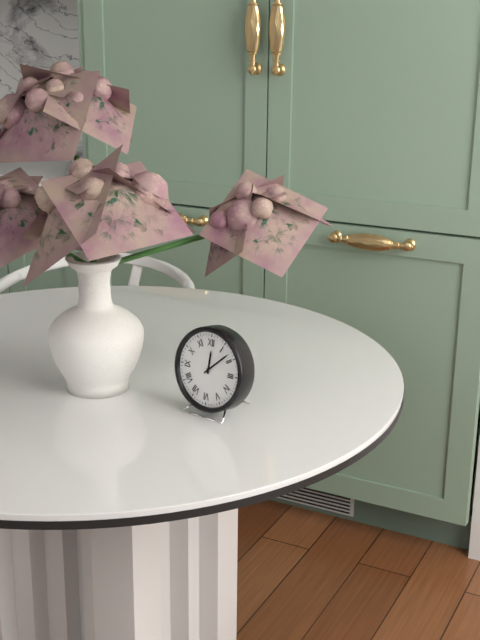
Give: 12:08
